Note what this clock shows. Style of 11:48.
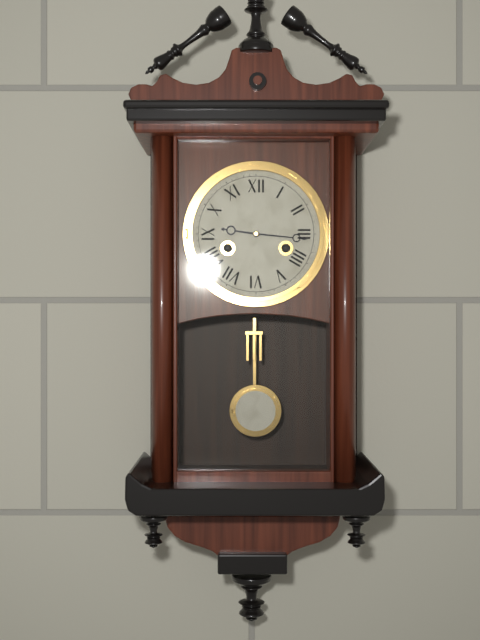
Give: 9:16
